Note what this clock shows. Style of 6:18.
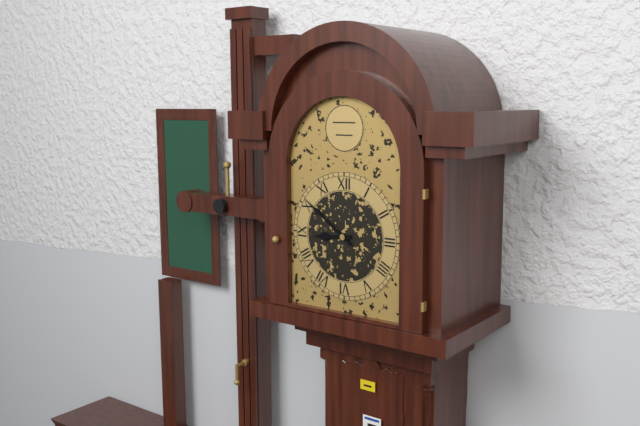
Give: 8:51
